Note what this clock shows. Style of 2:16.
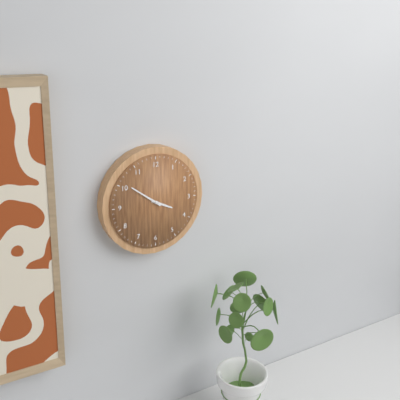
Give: 3:51
